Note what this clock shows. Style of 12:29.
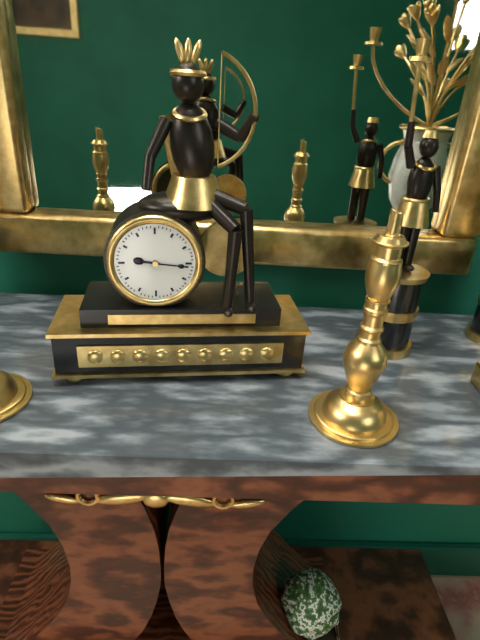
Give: 9:16
